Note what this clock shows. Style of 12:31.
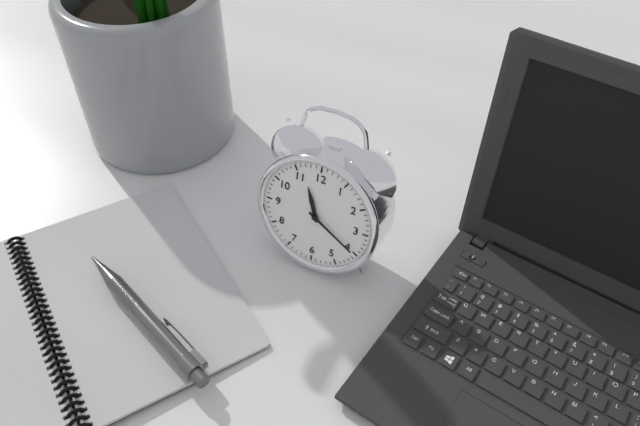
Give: 11:20
